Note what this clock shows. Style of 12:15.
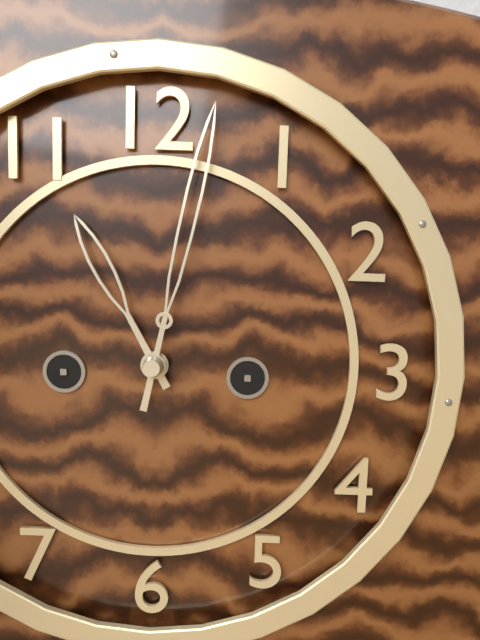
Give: 11:02
